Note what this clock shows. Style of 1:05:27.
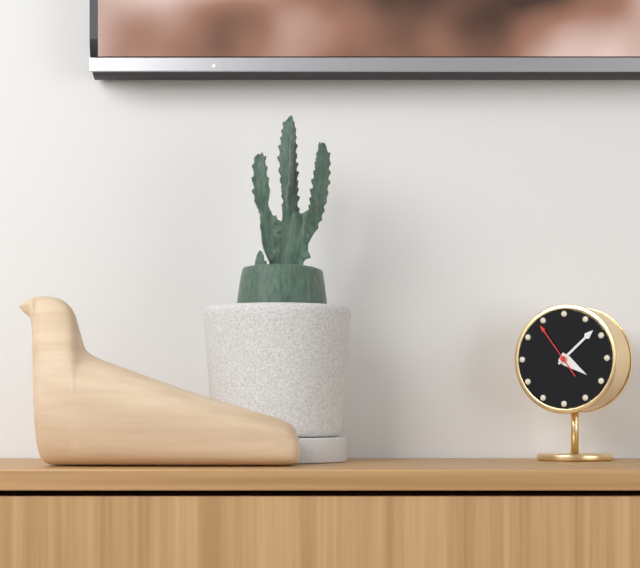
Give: 4:08:54
